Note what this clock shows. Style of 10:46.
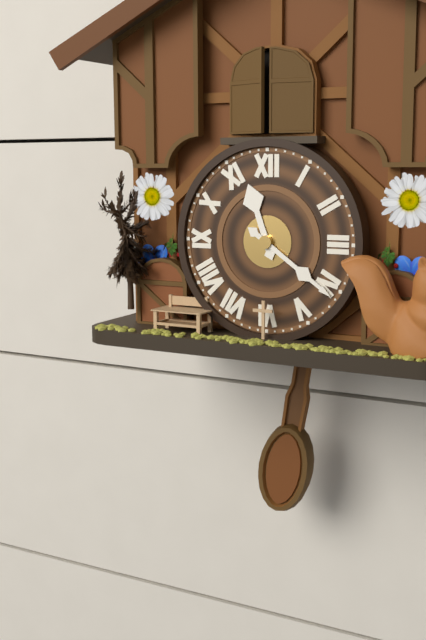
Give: 11:21
